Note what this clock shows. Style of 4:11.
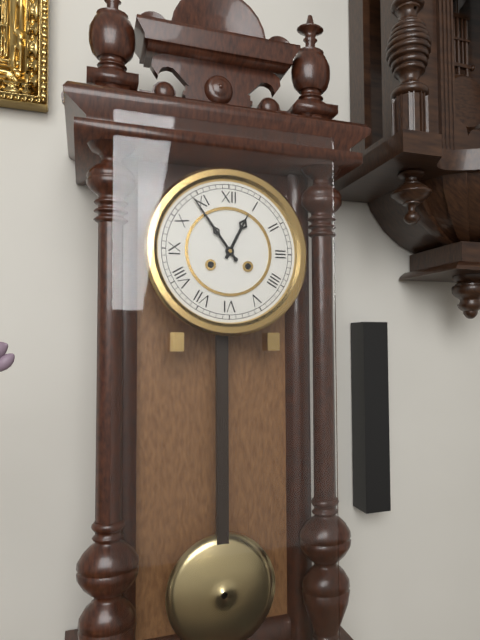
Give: 12:54
